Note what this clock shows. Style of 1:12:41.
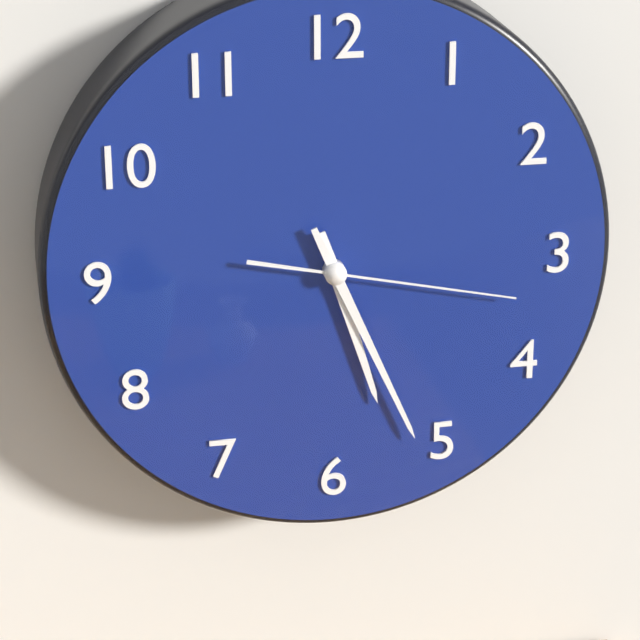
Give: 5:26:17
